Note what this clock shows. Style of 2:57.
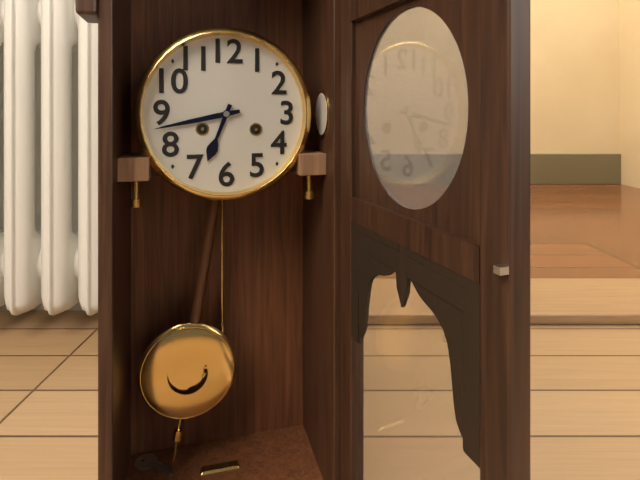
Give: 6:43
